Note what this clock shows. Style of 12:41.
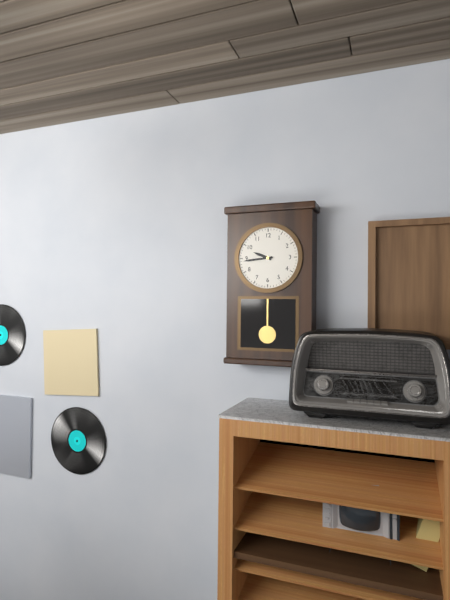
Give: 9:44
